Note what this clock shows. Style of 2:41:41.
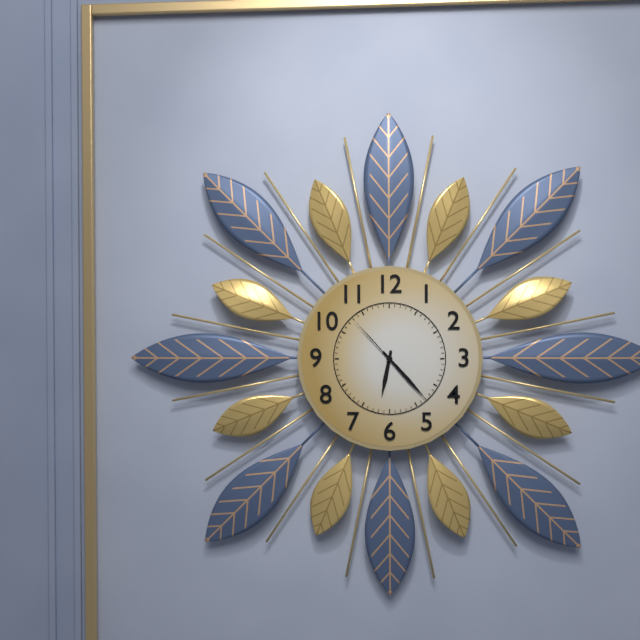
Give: 6:23:53
